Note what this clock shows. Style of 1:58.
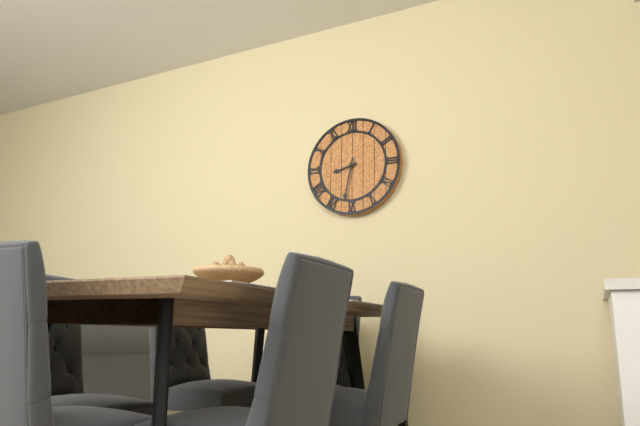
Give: 8:32
